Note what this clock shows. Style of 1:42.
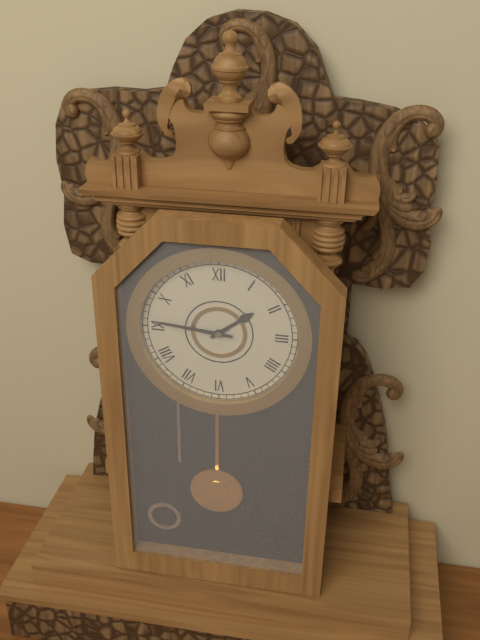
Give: 1:46
